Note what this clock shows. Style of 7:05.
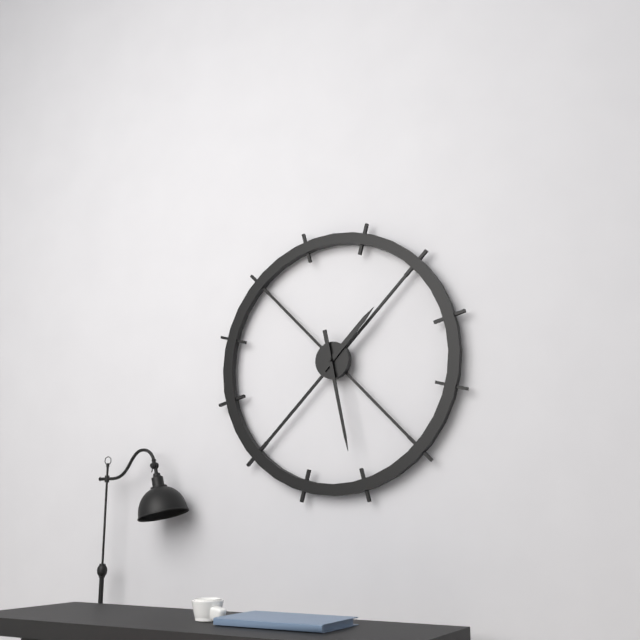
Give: 1:28
